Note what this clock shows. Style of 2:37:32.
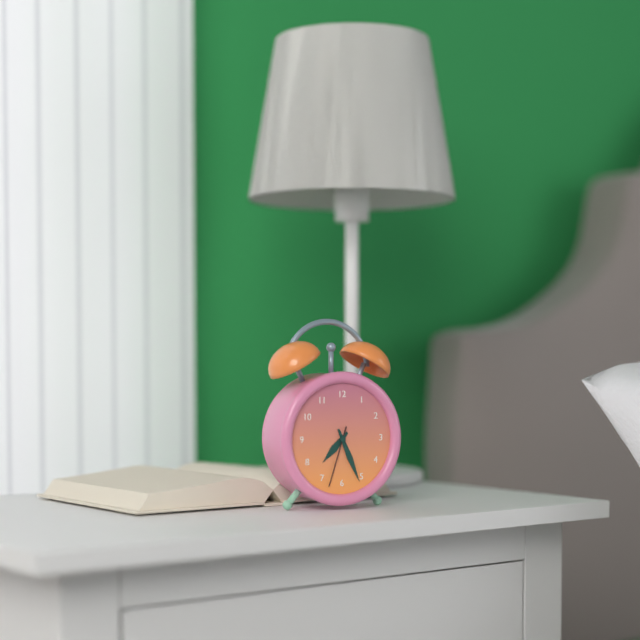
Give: 7:26:33
